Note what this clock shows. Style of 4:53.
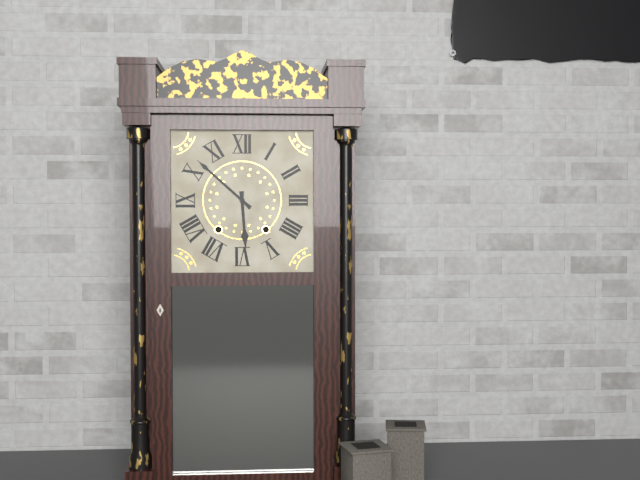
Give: 5:52
